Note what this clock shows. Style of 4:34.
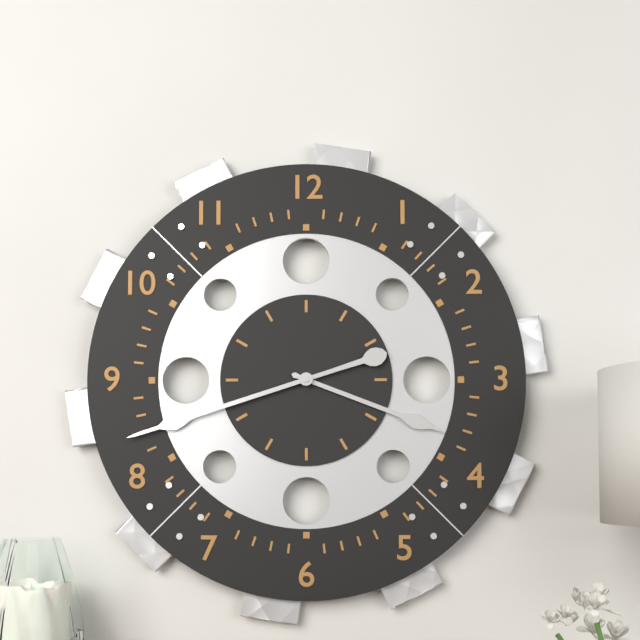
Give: 3:42
